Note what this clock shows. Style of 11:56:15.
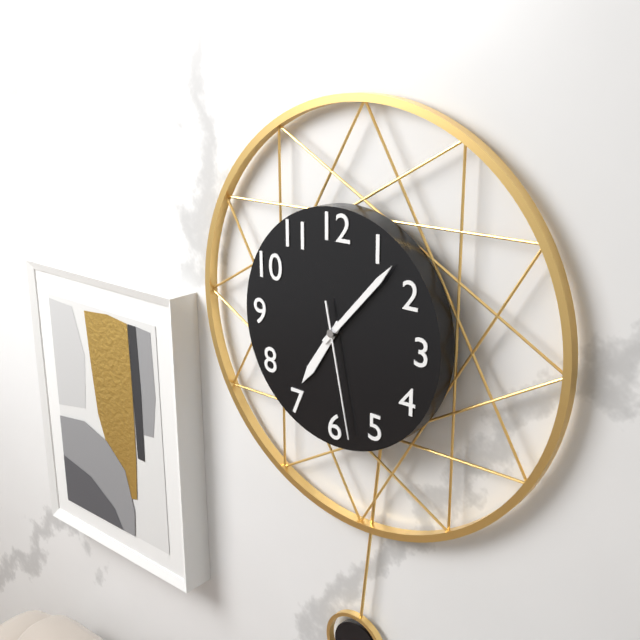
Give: 7:07:28
